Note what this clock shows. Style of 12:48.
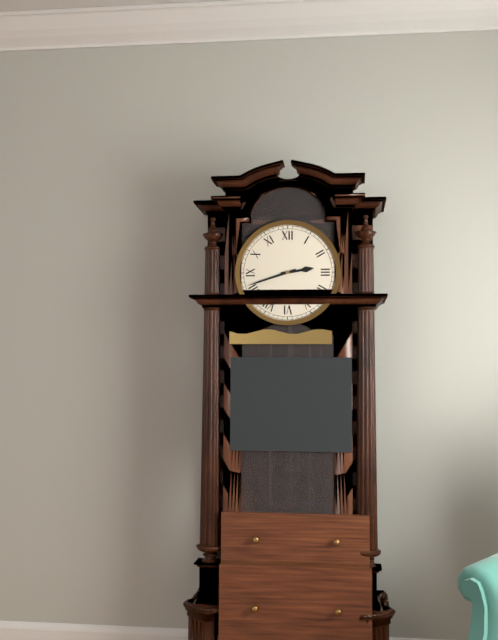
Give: 2:42
